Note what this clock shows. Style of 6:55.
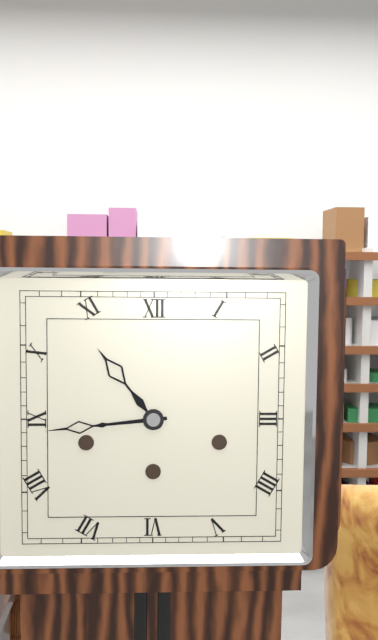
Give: 10:44
